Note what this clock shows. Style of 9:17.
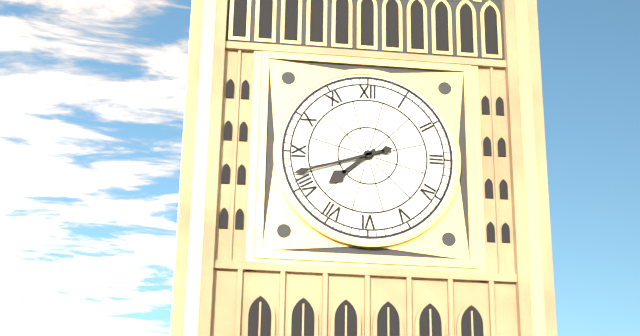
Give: 7:42
